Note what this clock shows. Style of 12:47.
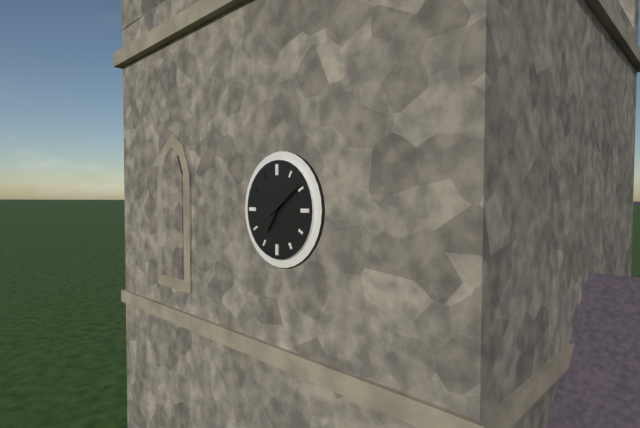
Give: 7:09
